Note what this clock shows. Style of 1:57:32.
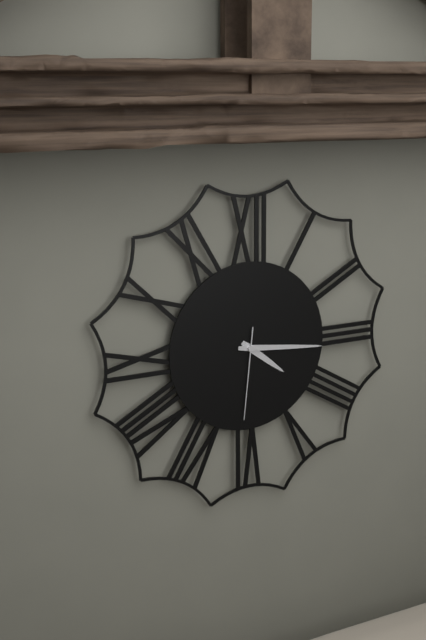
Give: 4:16:31
